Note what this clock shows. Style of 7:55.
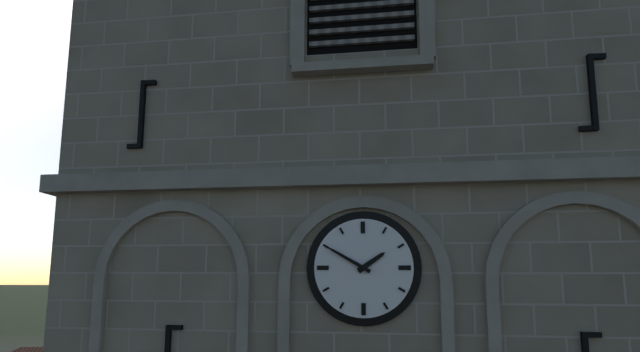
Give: 1:50
